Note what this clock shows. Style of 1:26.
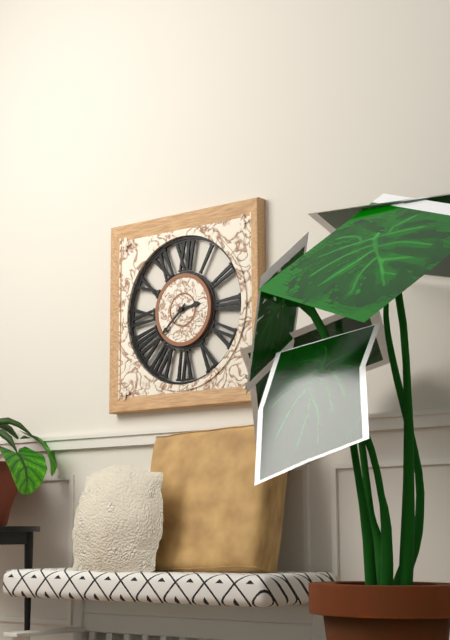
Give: 2:38
